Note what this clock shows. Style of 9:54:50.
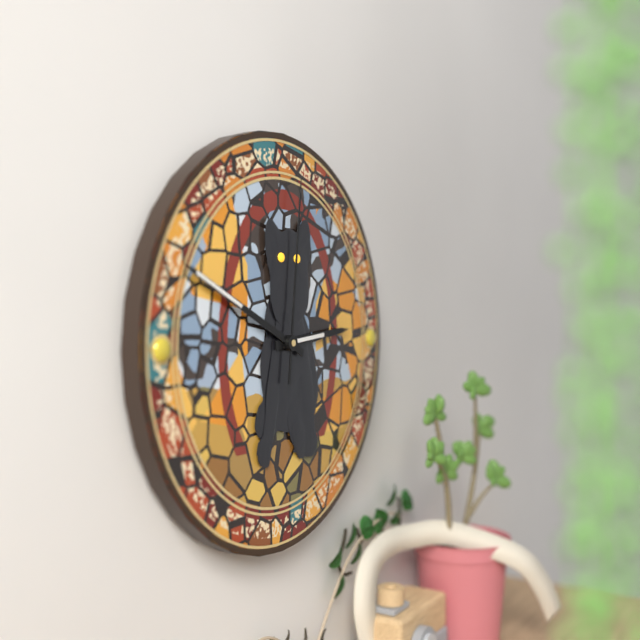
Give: 2:49:01
